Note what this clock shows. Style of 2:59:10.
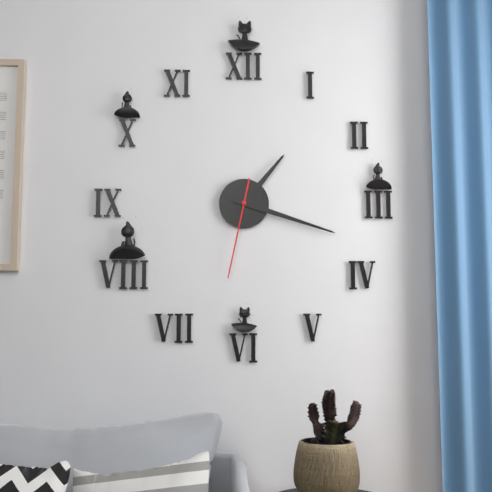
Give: 1:18:32
